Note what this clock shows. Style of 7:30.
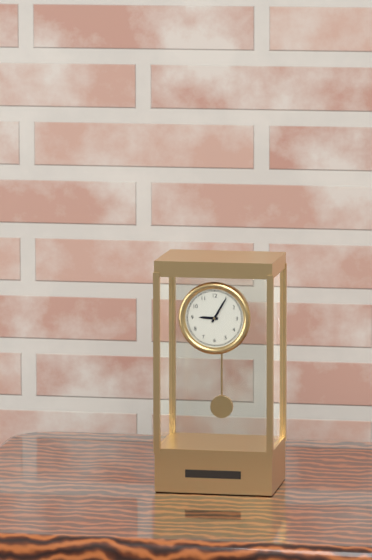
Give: 9:05
